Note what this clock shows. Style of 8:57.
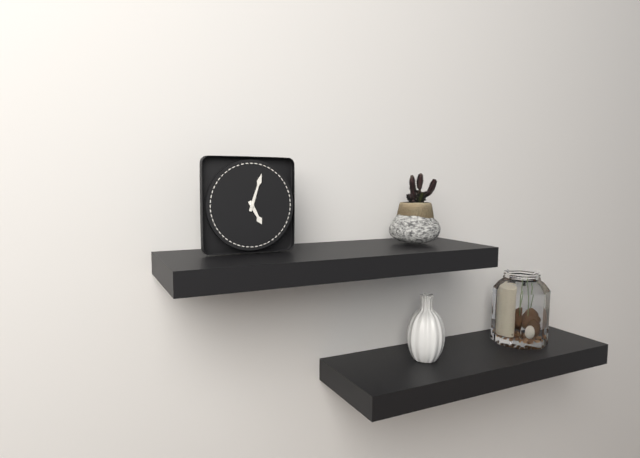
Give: 5:03
